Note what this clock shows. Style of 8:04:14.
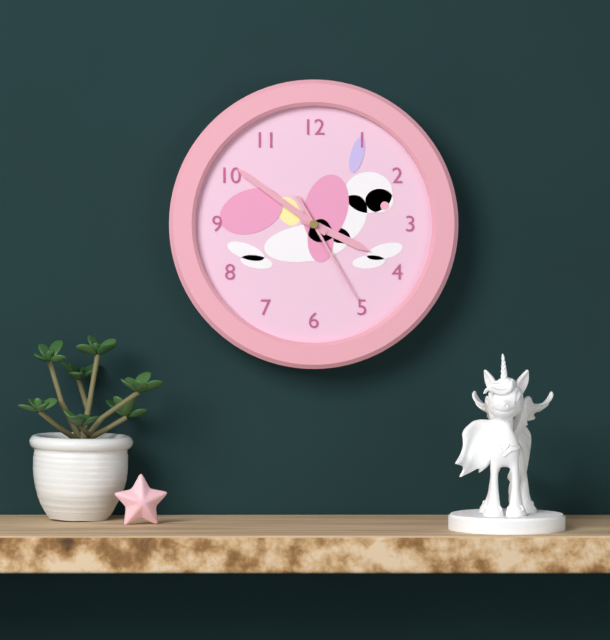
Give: 3:51:25
